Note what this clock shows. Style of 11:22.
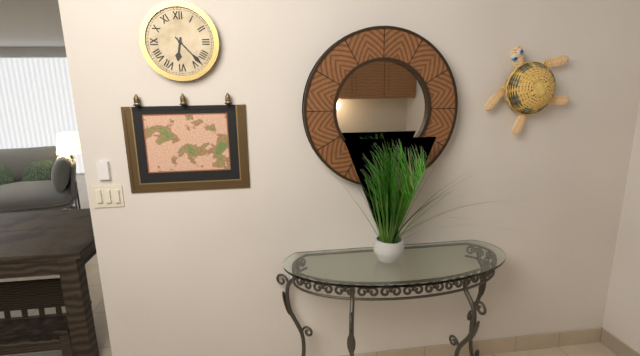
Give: 6:23
